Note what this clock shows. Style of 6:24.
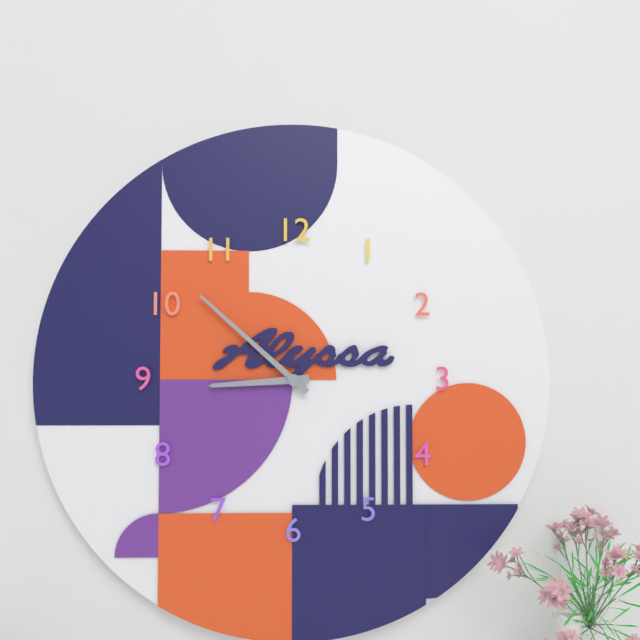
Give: 8:52
